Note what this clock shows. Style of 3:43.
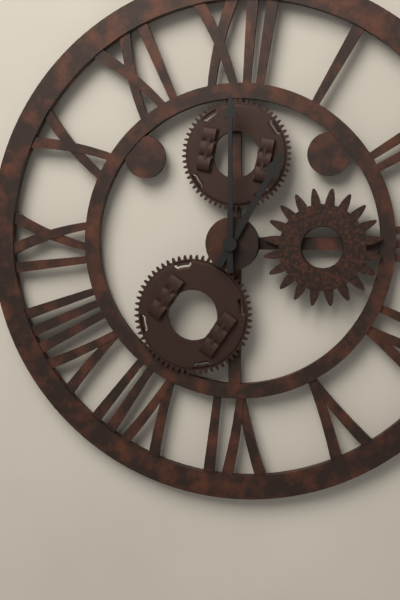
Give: 1:00
